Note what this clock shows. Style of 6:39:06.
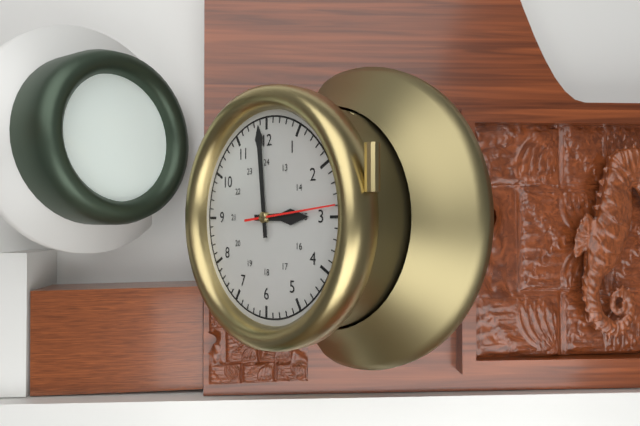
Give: 2:59:14
